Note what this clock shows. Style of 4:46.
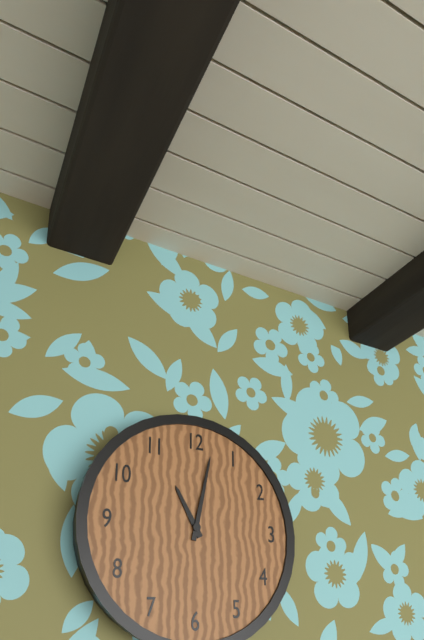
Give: 11:02
